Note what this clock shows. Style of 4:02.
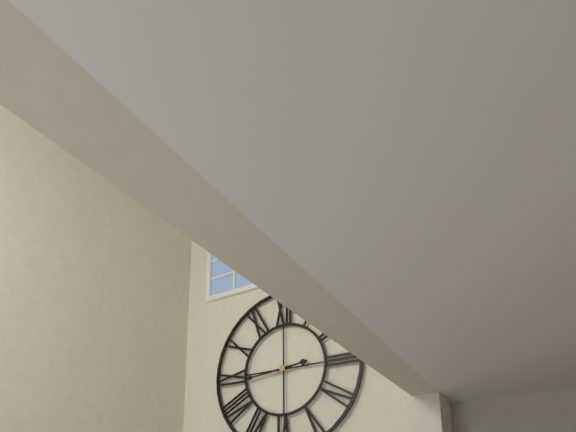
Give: 2:44
